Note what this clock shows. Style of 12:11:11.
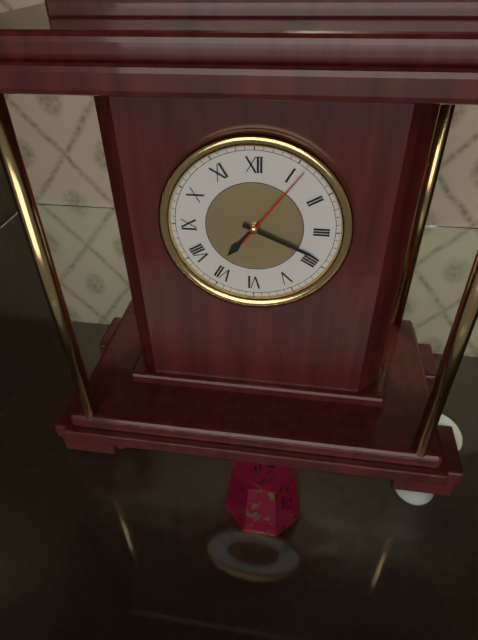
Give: 7:19:06
